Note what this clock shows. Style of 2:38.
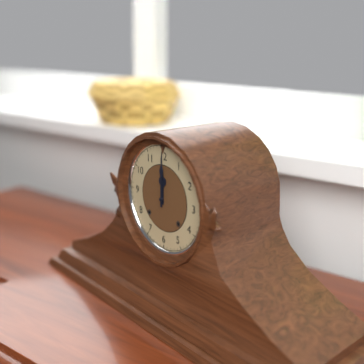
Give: 12:00
